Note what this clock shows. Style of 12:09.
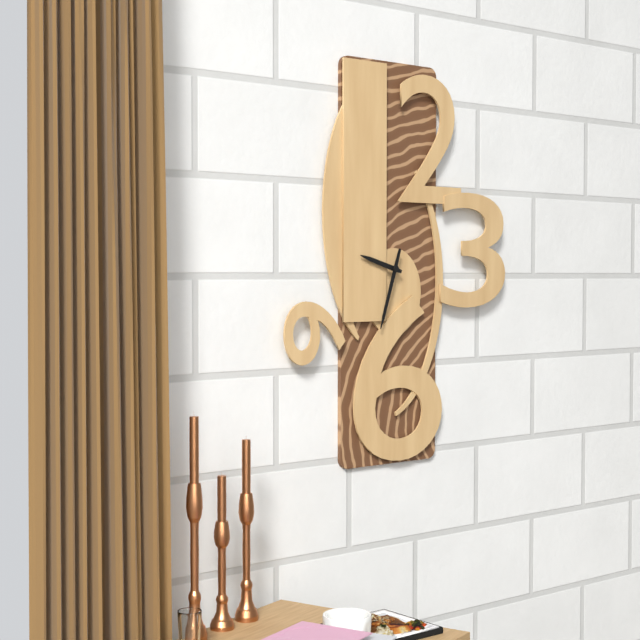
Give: 9:33
